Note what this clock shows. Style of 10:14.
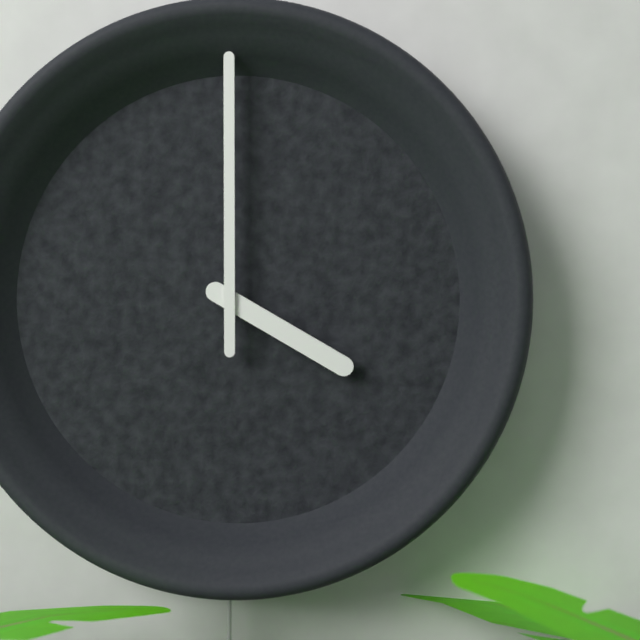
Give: 4:00
